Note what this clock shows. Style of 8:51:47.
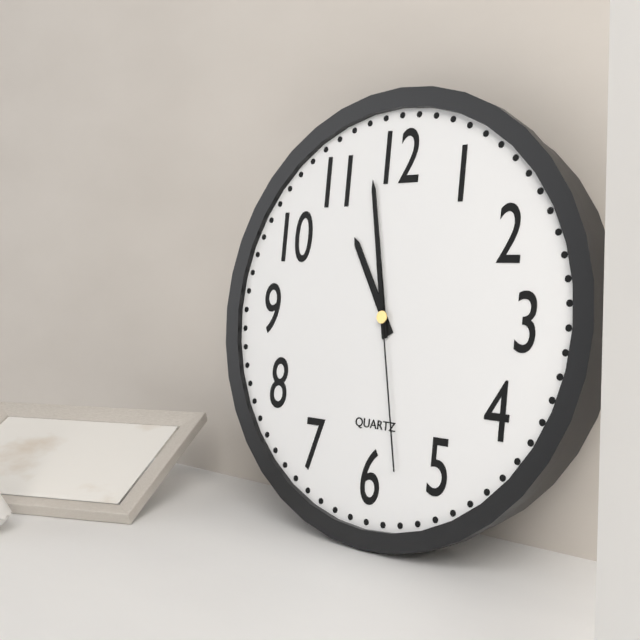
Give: 10:58:28
